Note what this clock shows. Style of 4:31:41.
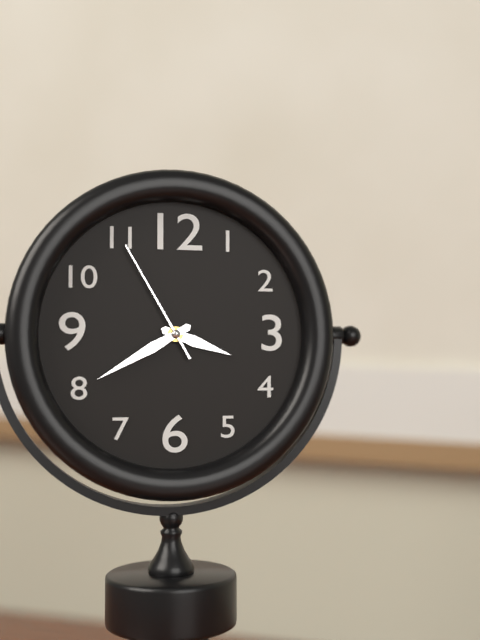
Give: 3:40:55
